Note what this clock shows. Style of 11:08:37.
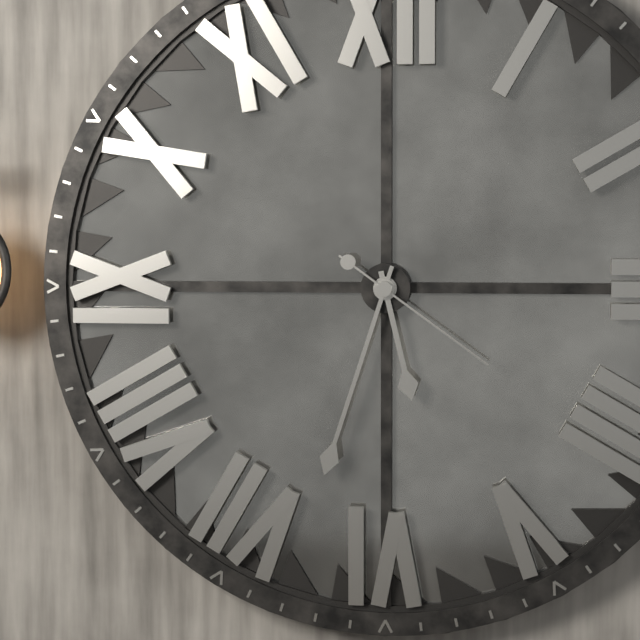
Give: 5:33:21
